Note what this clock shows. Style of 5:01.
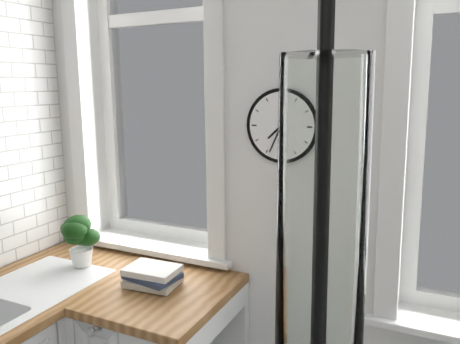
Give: 7:34
